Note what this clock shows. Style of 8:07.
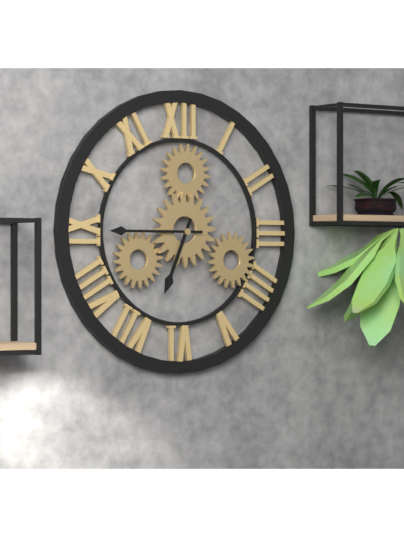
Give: 6:45
